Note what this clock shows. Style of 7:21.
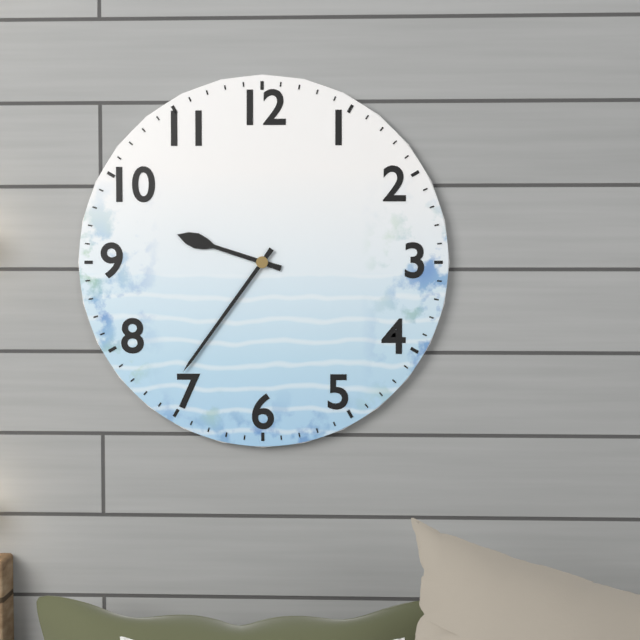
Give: 9:36
